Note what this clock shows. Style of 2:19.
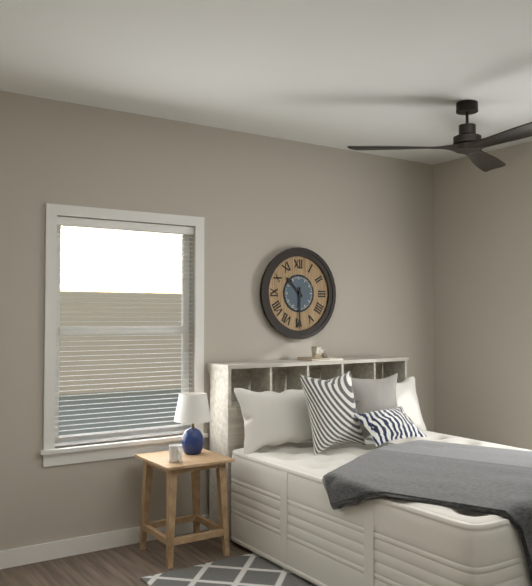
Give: 10:30
